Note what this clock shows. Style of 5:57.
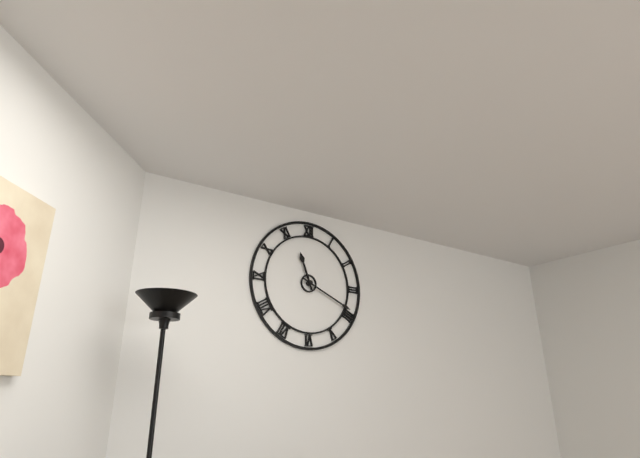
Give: 11:19
